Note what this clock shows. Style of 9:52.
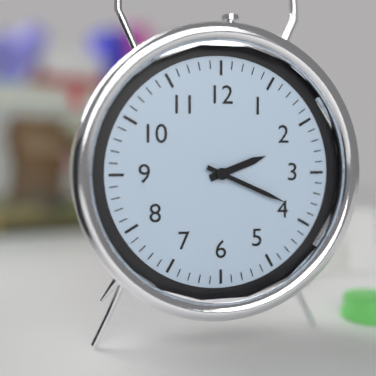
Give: 2:19
